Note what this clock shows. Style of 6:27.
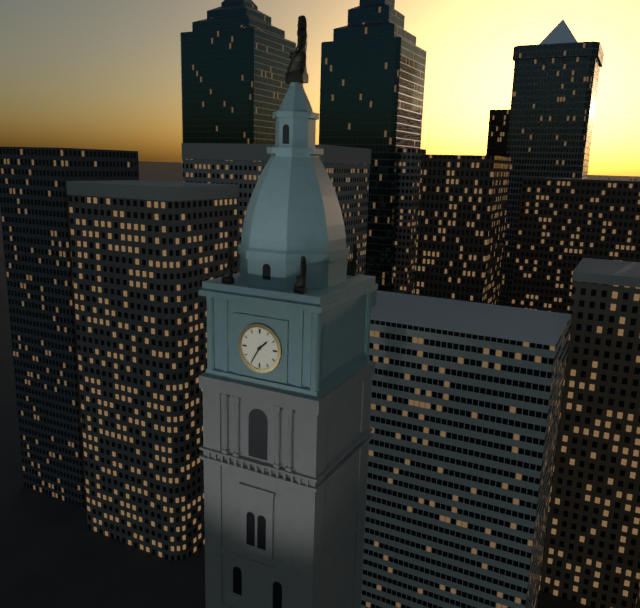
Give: 1:35
